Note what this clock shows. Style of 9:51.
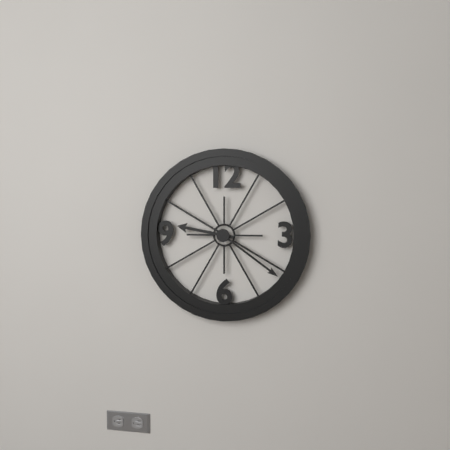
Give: 9:21
